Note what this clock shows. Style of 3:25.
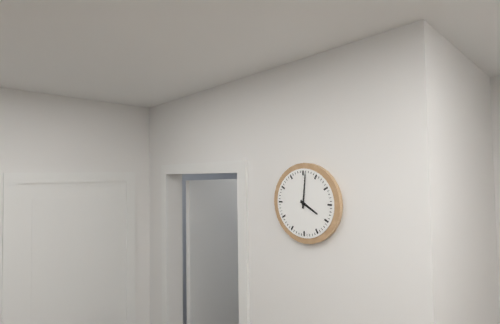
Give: 4:01
